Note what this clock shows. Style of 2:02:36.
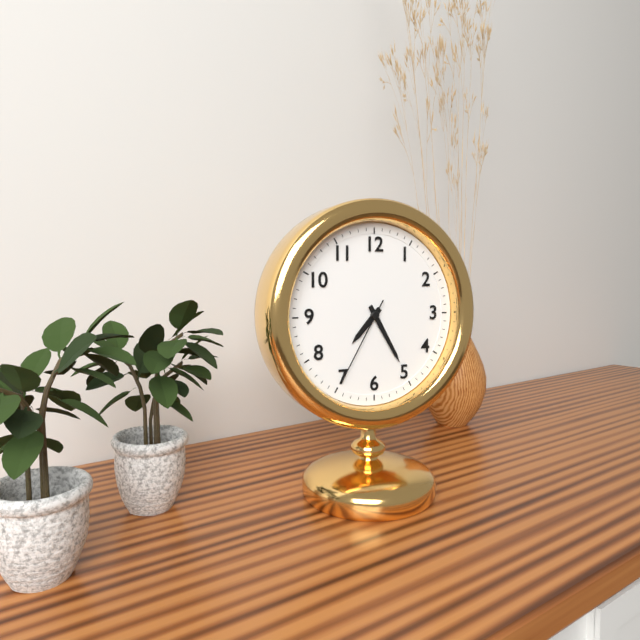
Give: 7:25:35
